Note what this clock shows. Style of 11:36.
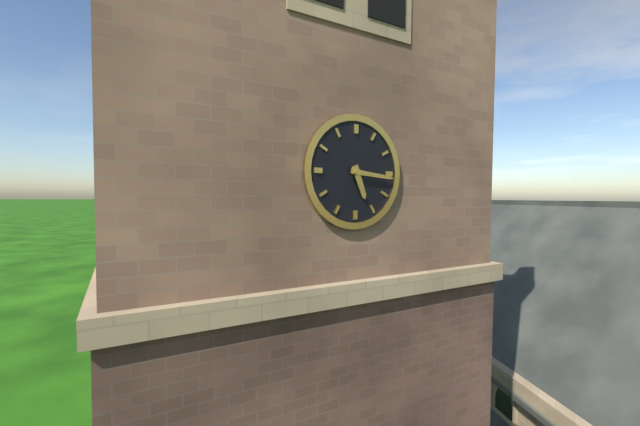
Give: 5:16
